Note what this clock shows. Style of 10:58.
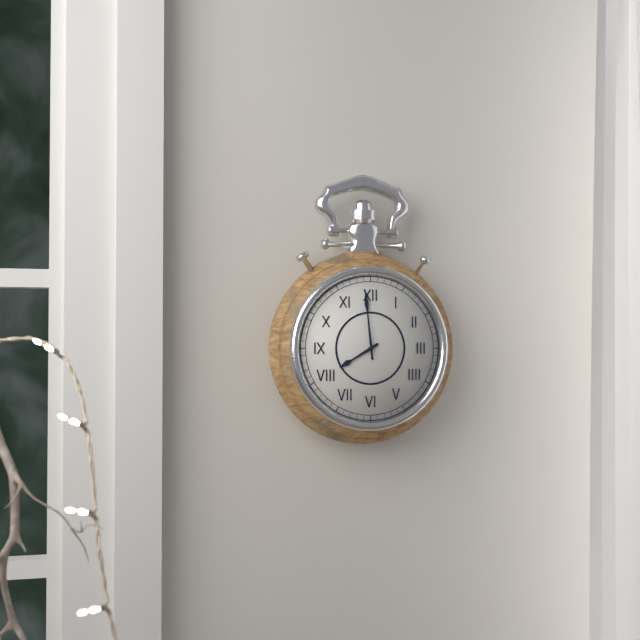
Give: 7:59
